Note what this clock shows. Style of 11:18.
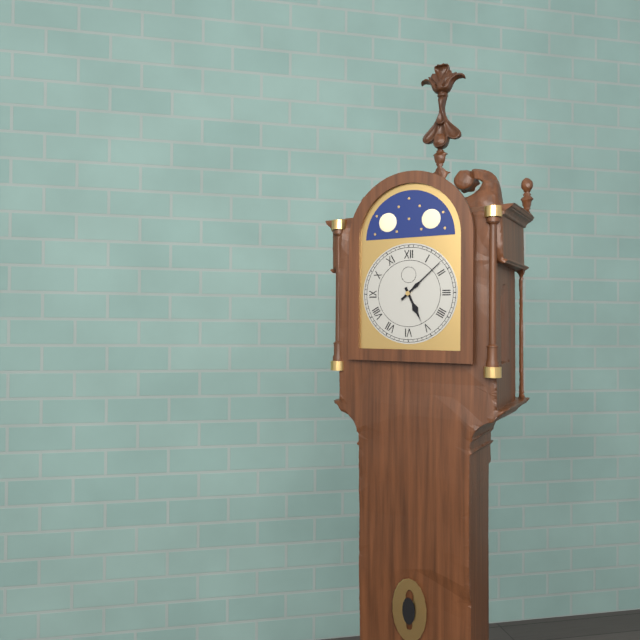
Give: 5:08
